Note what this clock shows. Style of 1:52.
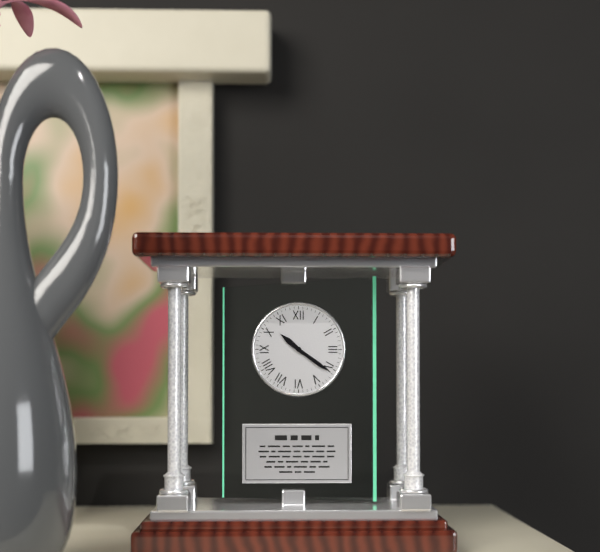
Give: 10:21
